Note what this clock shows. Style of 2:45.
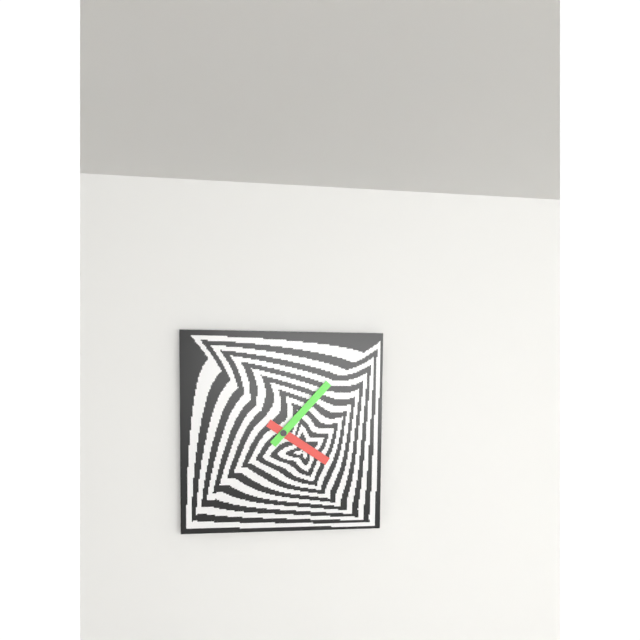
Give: 4:07
